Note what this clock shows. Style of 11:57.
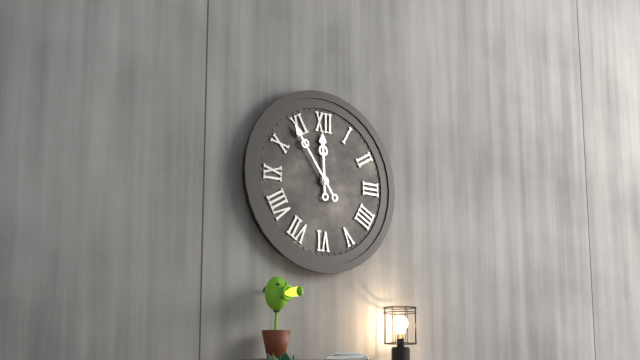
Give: 11:54
